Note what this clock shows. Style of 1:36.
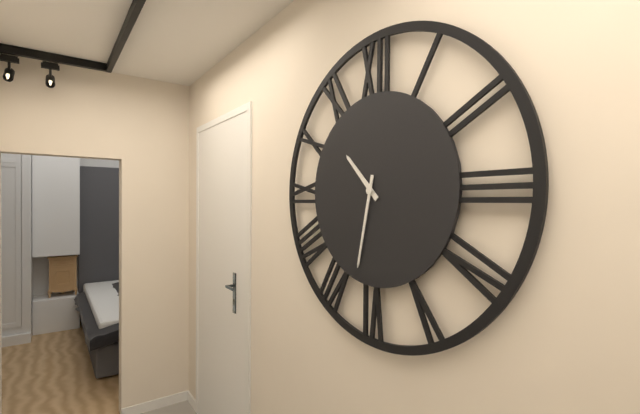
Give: 10:32
